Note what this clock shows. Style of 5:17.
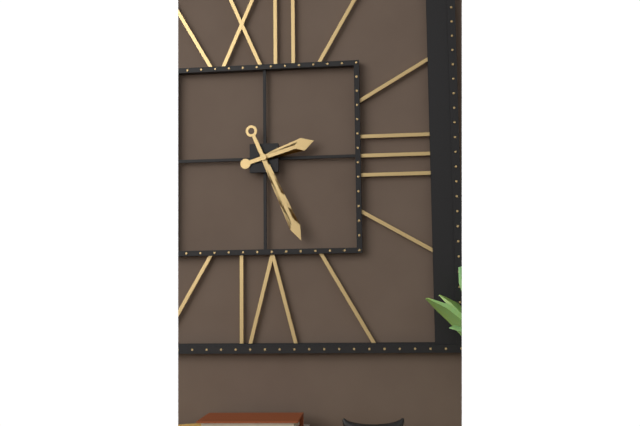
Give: 2:26
